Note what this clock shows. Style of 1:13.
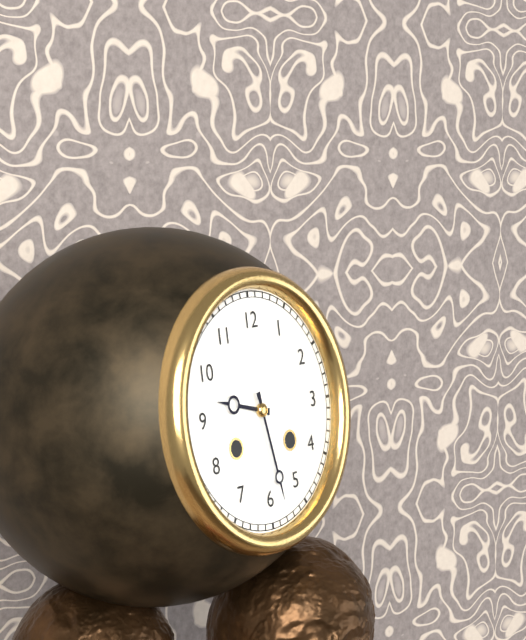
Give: 9:28
